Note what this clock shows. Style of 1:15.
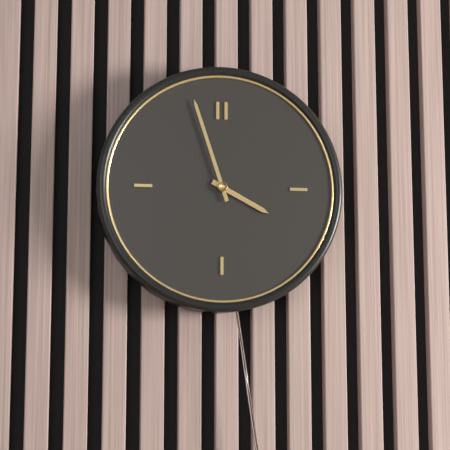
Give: 3:57
